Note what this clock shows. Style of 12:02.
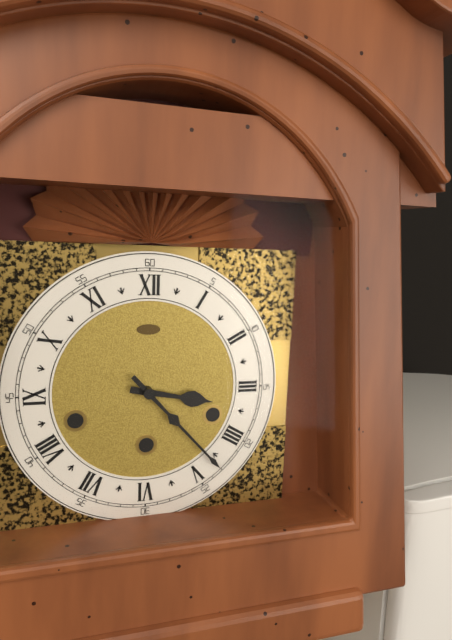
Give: 3:23
